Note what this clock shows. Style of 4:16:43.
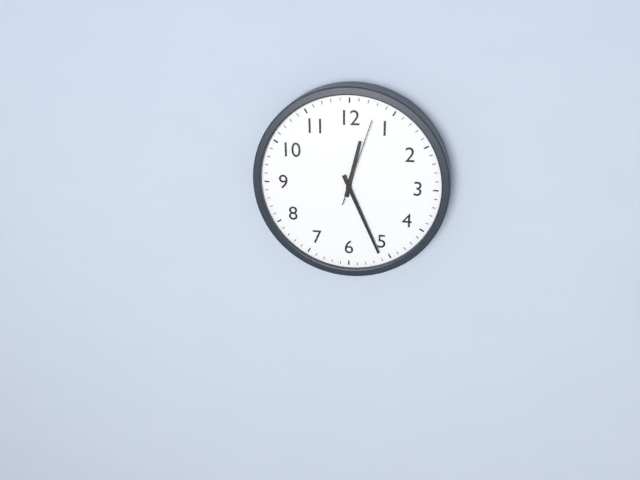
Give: 12:26:03
